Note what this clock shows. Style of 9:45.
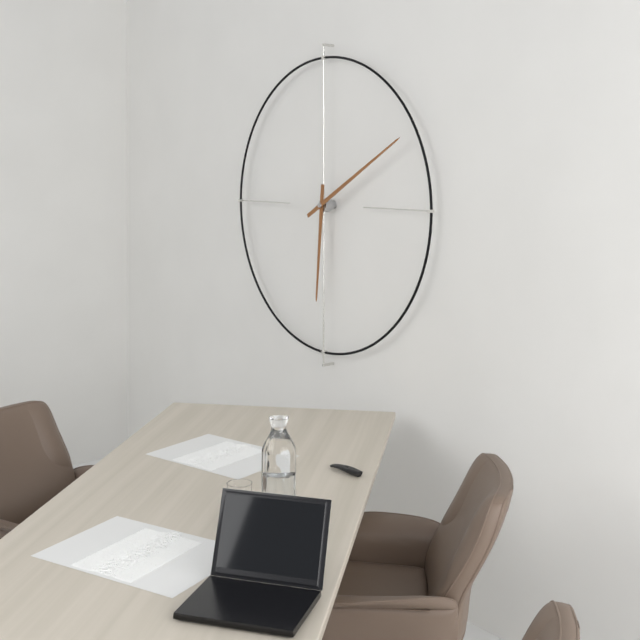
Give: 6:10
